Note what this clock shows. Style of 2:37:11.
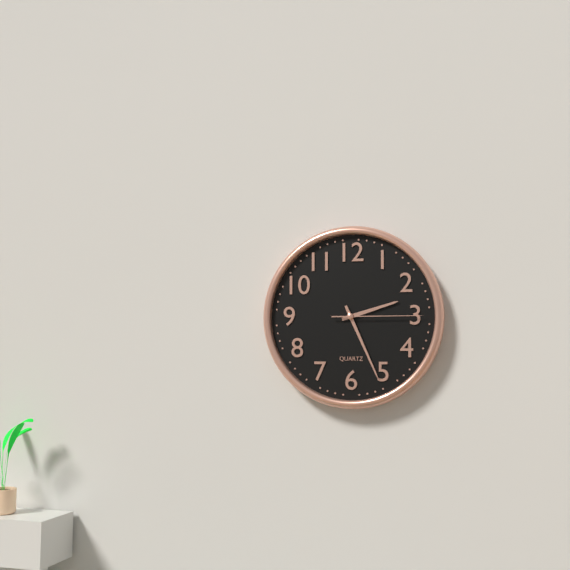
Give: 2:26:15
